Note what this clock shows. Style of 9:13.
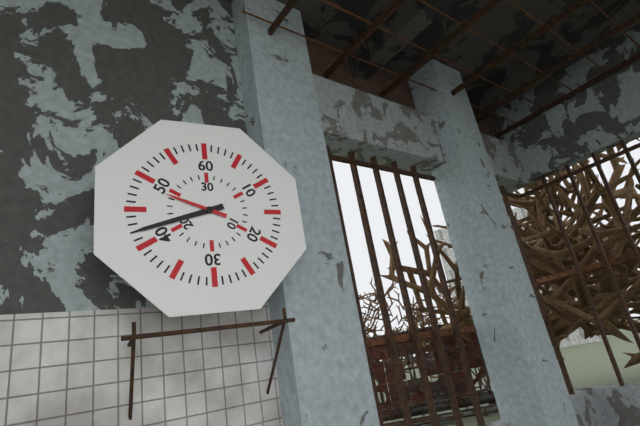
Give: 9:42
